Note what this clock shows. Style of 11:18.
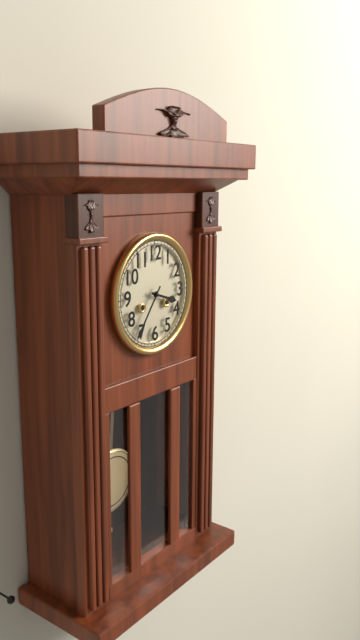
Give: 3:36
